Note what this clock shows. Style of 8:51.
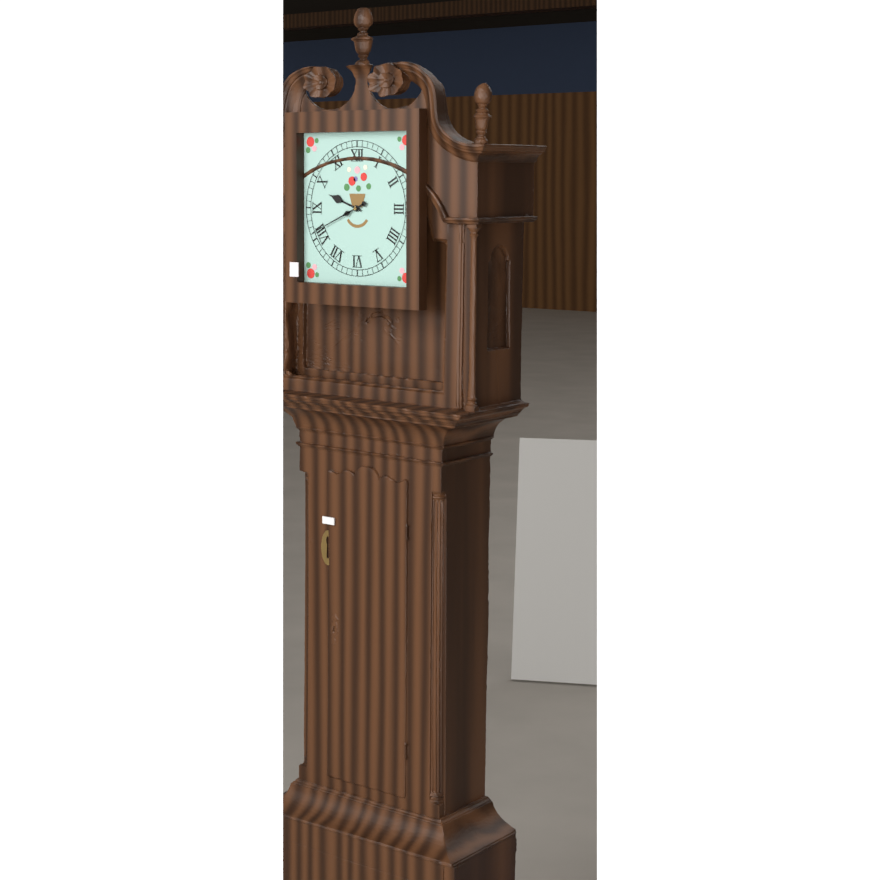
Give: 9:41
